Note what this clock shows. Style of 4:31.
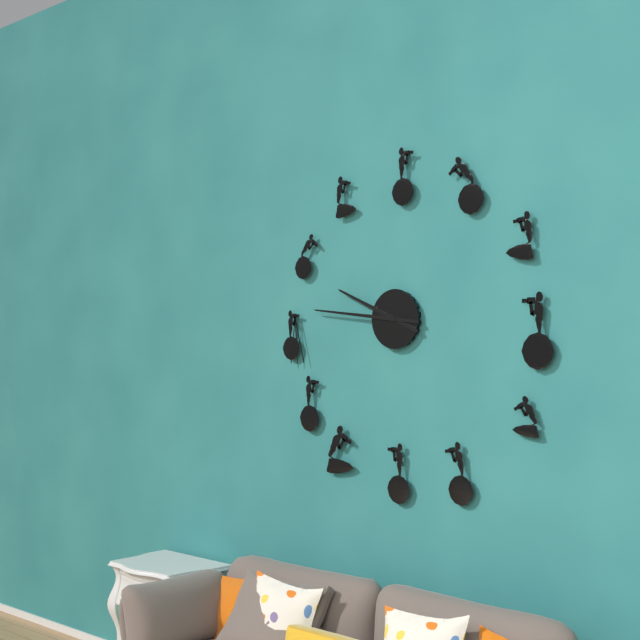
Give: 9:46
